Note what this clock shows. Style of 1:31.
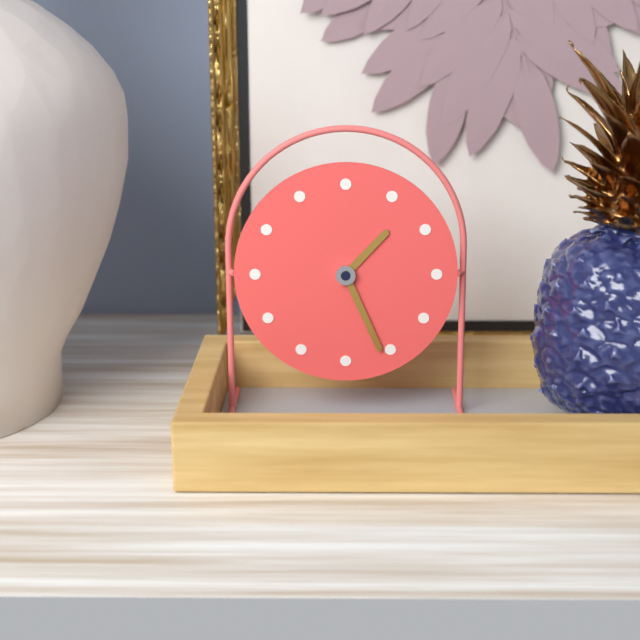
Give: 1:26
